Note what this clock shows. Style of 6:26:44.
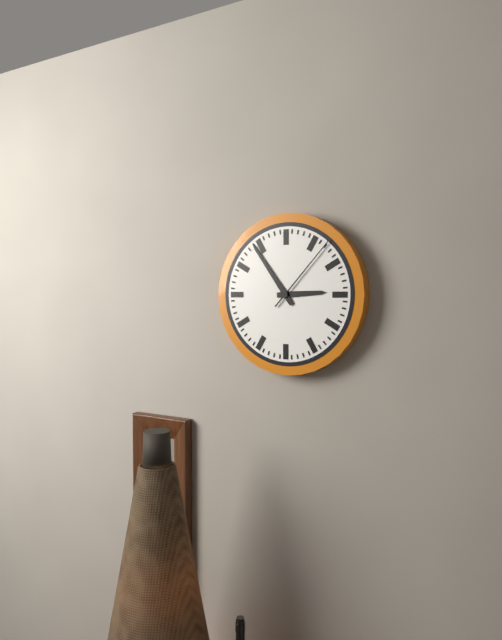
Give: 2:54:07
